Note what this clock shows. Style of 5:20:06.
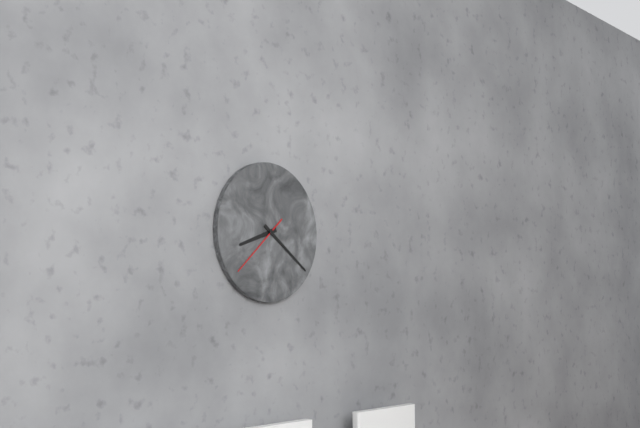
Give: 8:21:38
